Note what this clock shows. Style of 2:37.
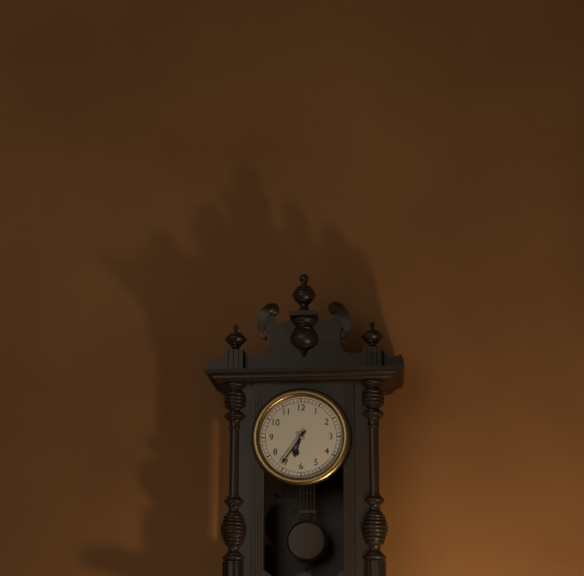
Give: 6:36
